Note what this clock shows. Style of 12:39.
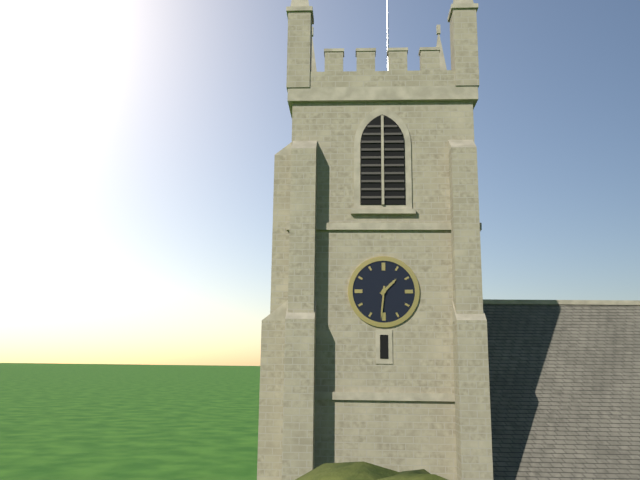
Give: 1:31
